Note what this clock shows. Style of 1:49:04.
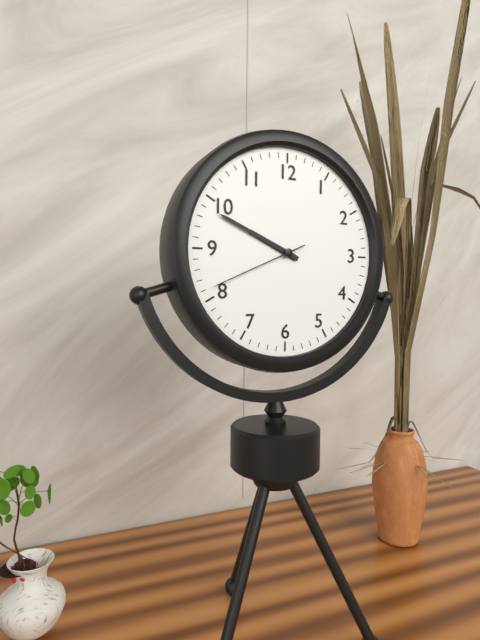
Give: 9:49:41
